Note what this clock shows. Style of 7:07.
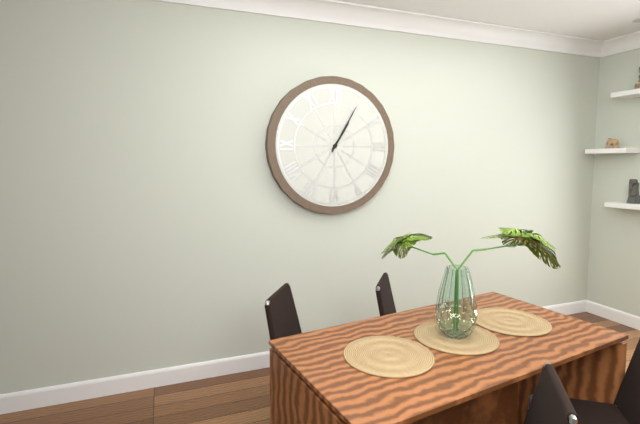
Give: 1:05
